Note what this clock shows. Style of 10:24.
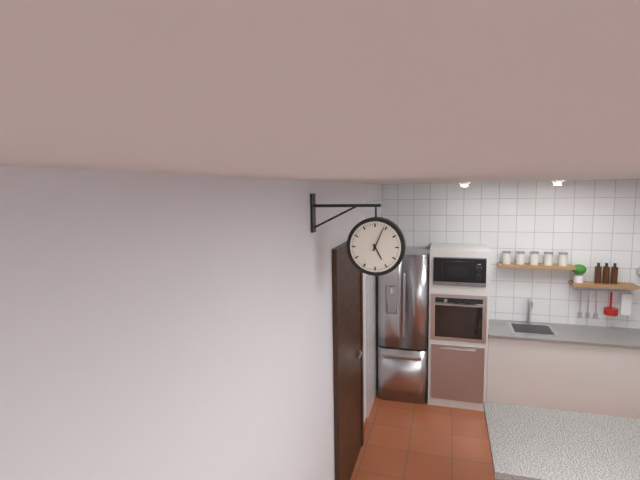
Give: 5:04
